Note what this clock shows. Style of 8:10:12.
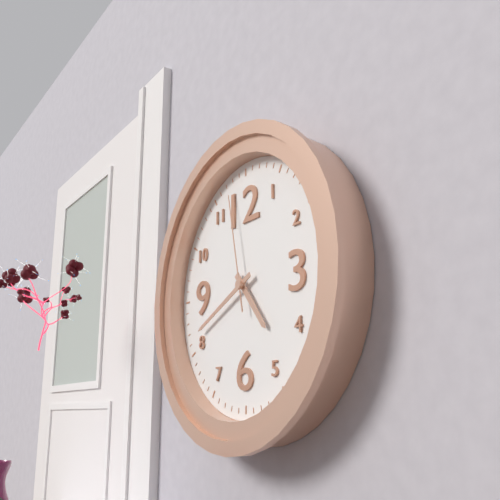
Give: 4:41:58
